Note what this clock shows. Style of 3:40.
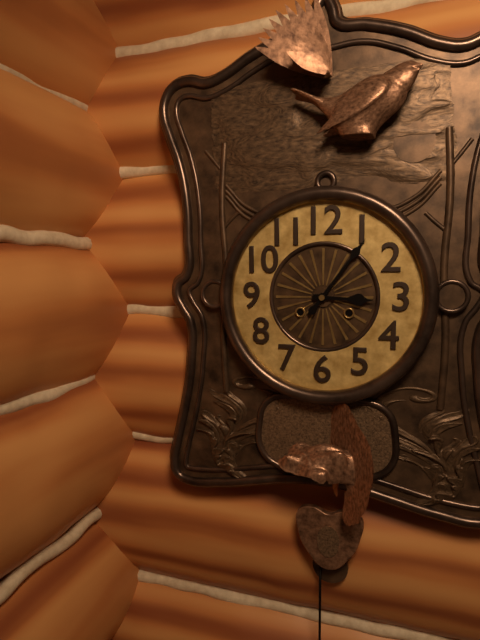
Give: 3:06
